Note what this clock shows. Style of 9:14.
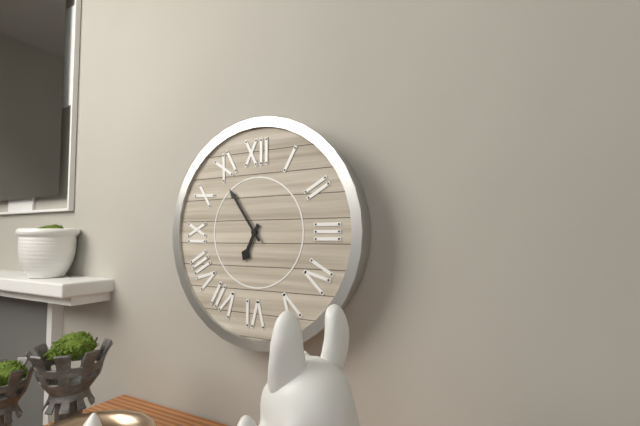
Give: 6:54
